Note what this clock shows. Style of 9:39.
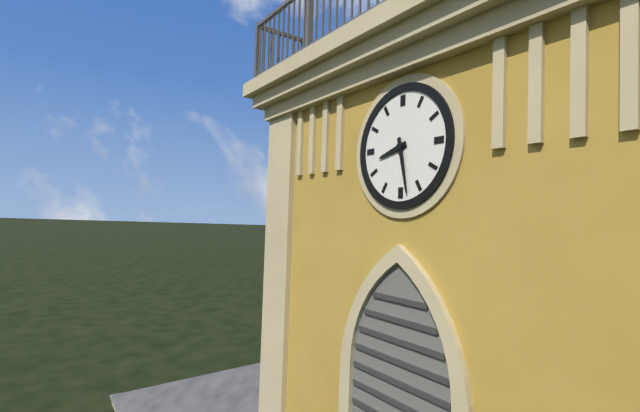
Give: 8:28
